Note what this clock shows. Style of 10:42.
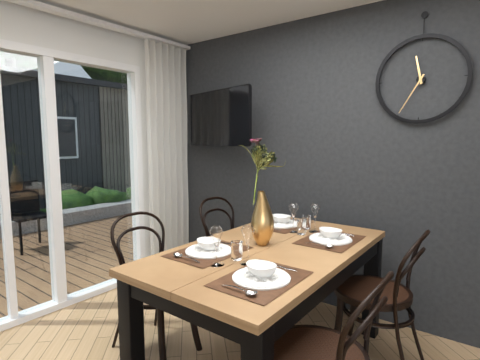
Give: 11:35
